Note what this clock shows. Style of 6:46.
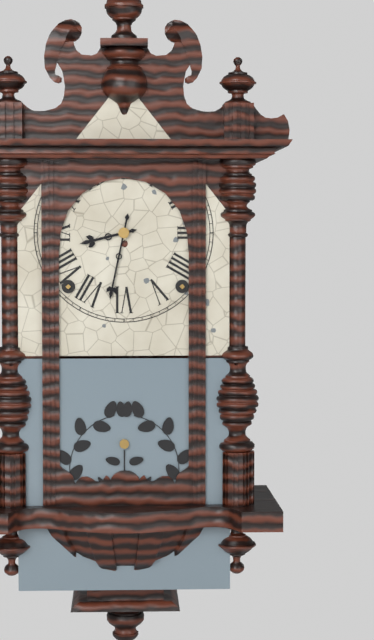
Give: 8:32
